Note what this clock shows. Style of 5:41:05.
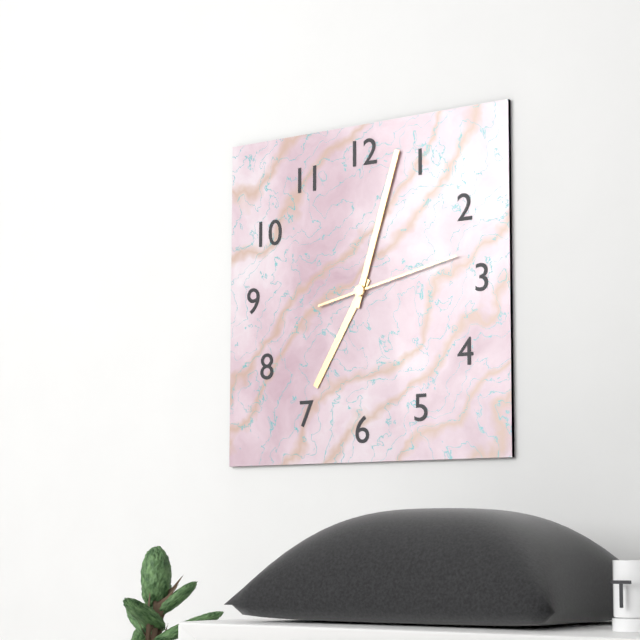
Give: 7:03:13
